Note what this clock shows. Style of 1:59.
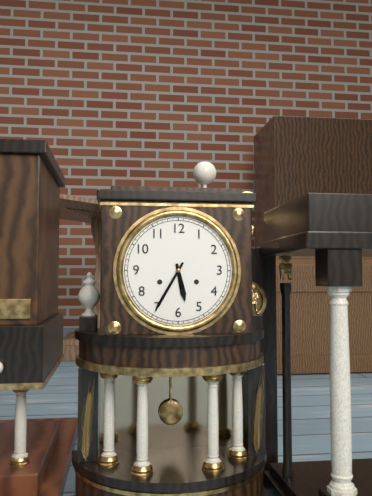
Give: 5:35
